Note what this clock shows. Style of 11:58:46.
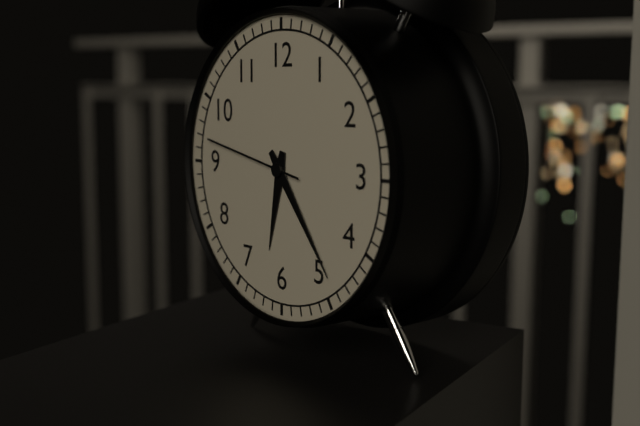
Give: 6:24:47
